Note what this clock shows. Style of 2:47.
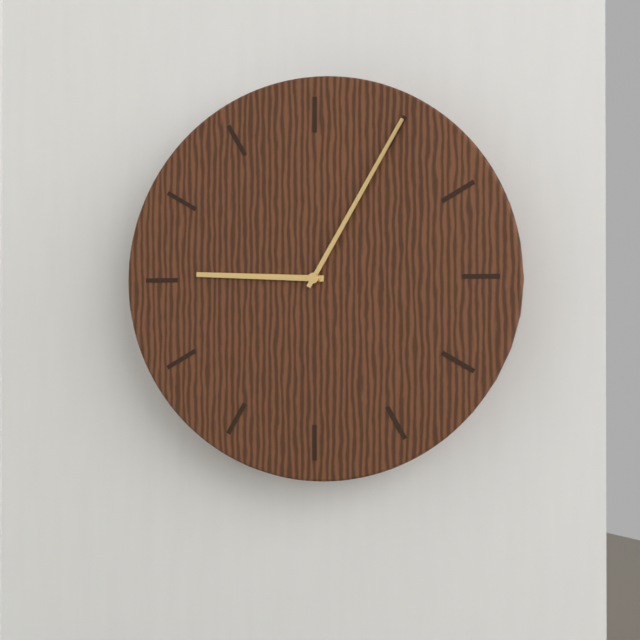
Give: 9:05
